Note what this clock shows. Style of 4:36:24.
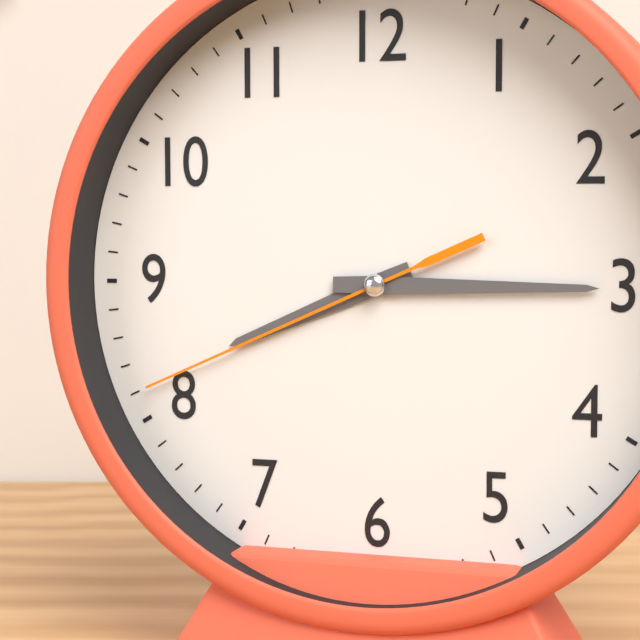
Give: 8:15:41
